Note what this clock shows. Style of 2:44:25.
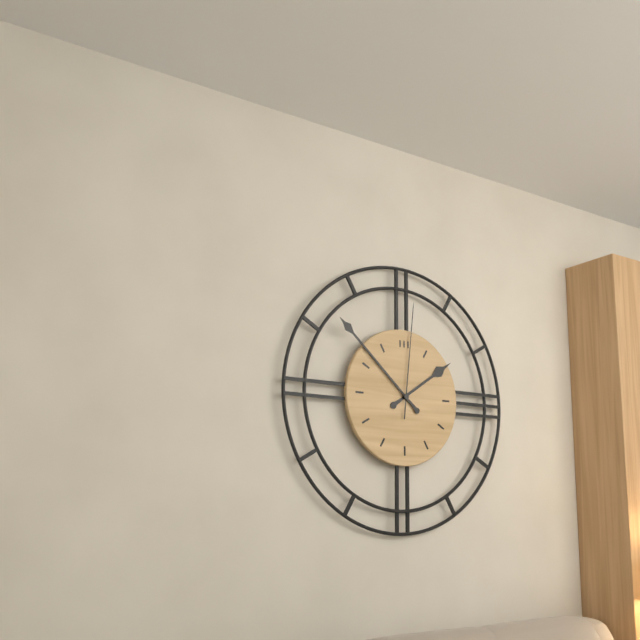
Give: 1:52:01
